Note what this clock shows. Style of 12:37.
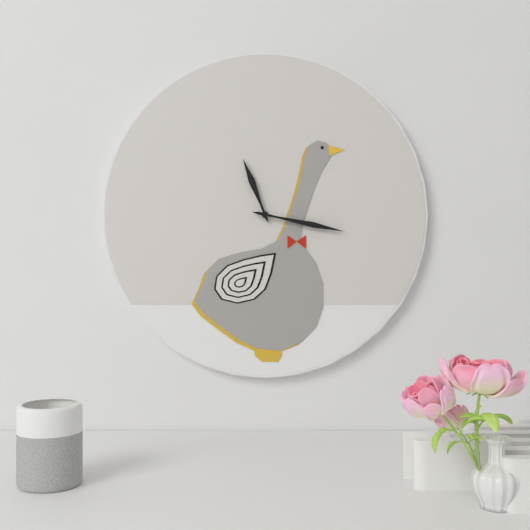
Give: 11:17
